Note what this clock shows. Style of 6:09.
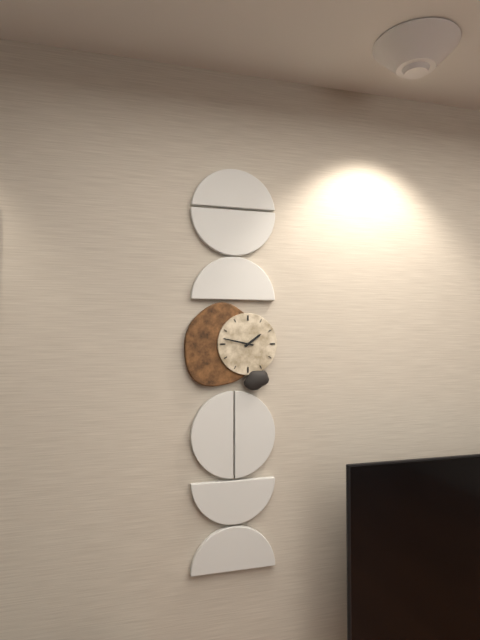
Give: 1:47
